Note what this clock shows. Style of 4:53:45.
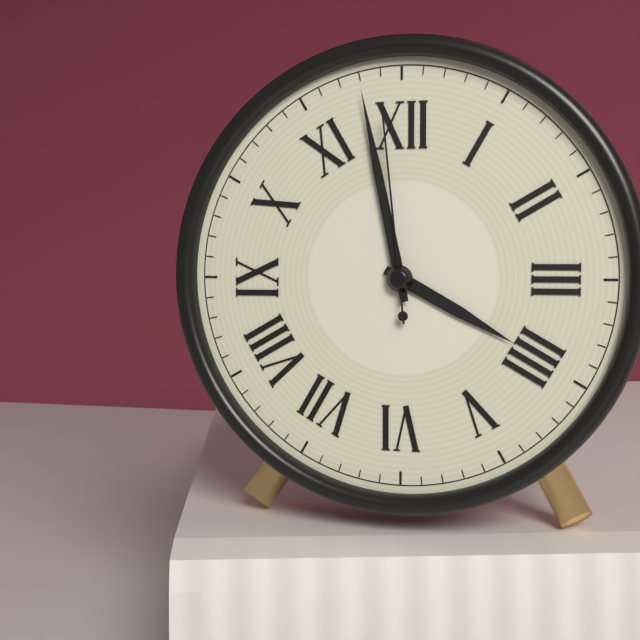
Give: 3:58:59
